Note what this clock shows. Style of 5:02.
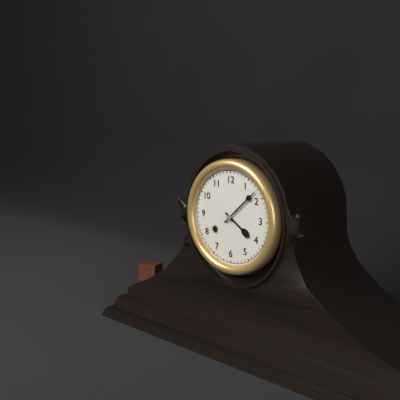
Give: 4:08
